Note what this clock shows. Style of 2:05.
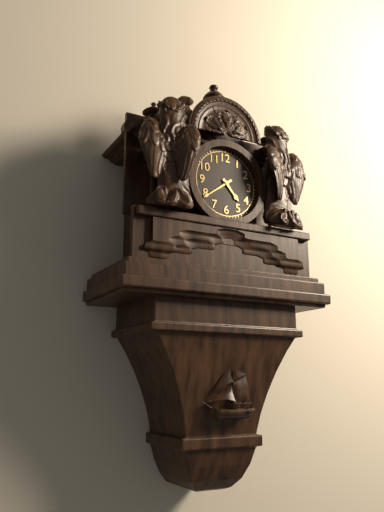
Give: 4:39
